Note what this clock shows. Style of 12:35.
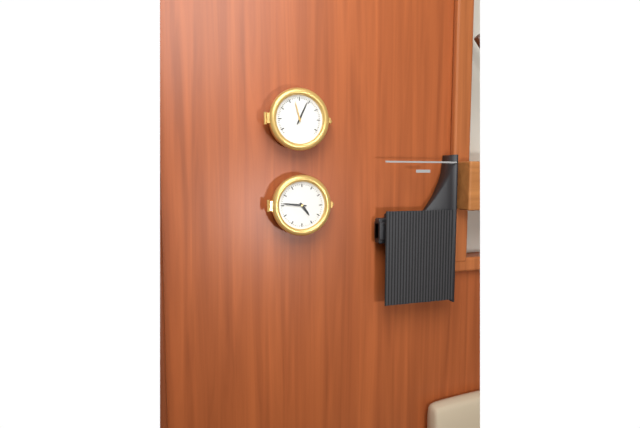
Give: 4:46
